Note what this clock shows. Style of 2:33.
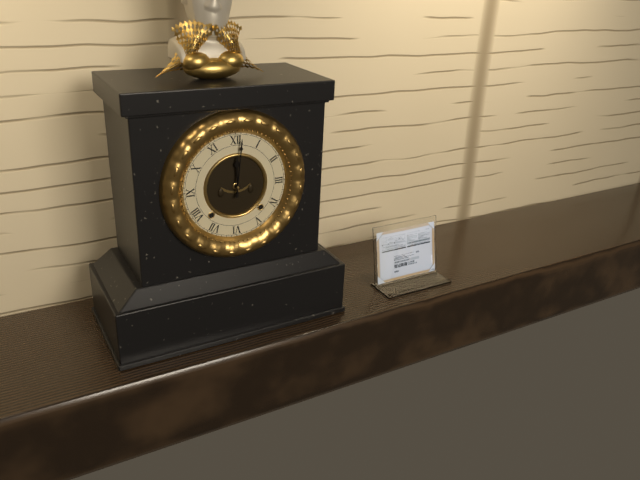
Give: 12:01
